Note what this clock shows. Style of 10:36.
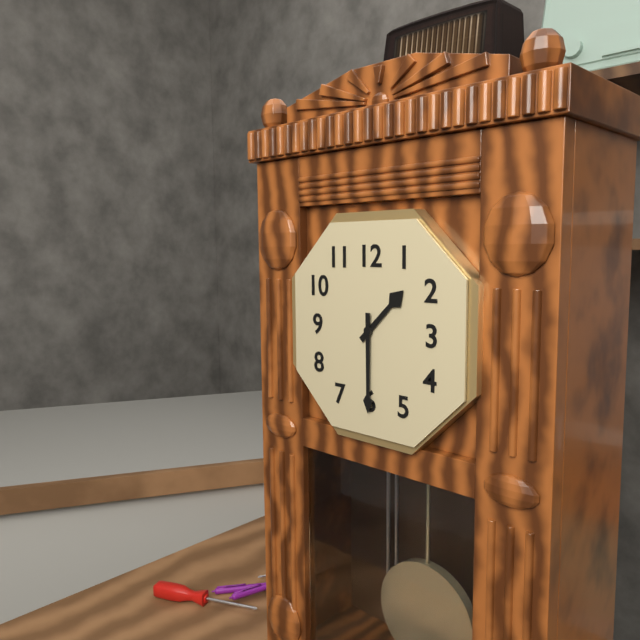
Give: 1:30
